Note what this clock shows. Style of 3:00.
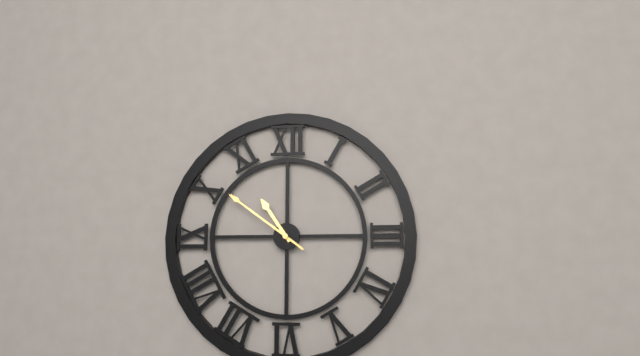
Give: 10:51
